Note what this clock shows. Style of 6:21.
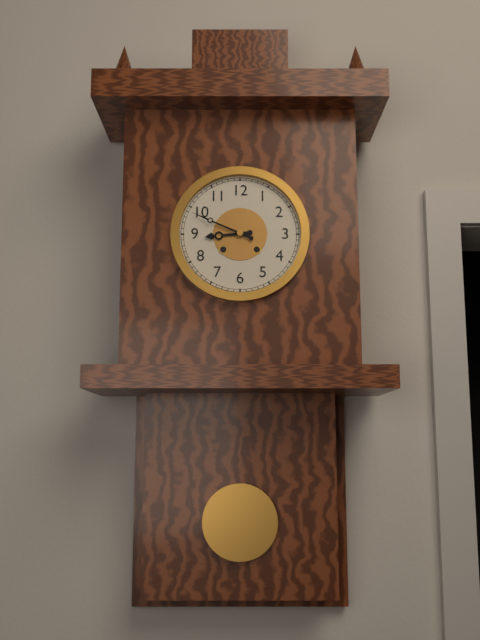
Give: 8:49
